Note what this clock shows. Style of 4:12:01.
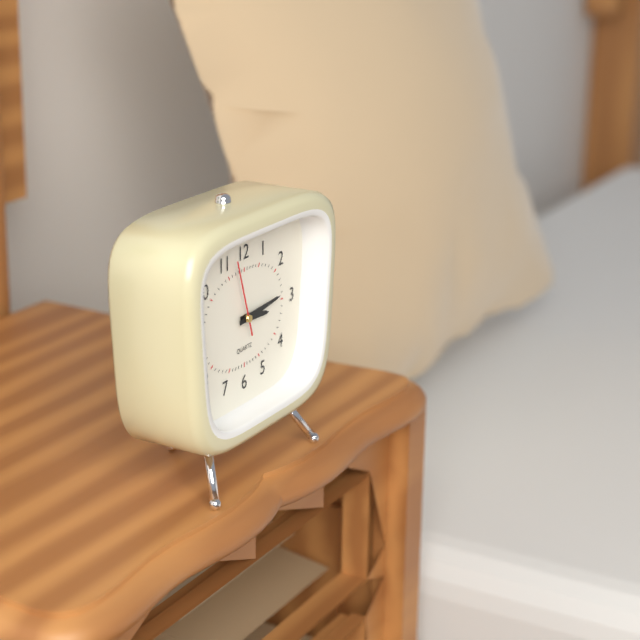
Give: 3:14:57
